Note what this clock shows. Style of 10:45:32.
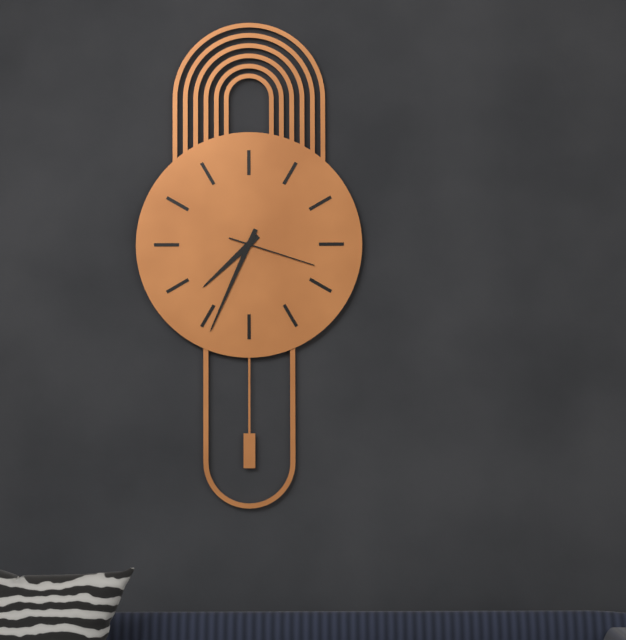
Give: 7:34:18
